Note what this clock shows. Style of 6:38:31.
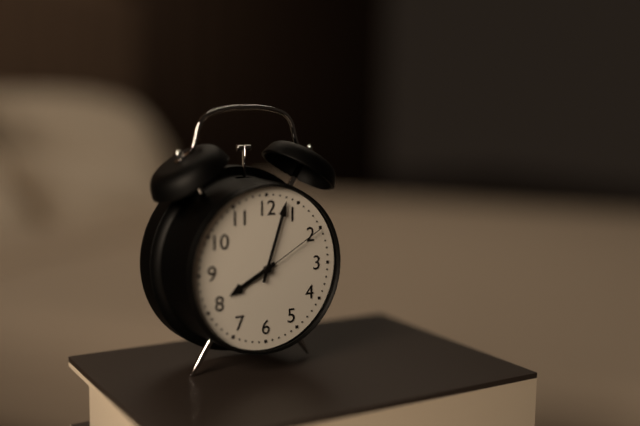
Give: 8:03:10
